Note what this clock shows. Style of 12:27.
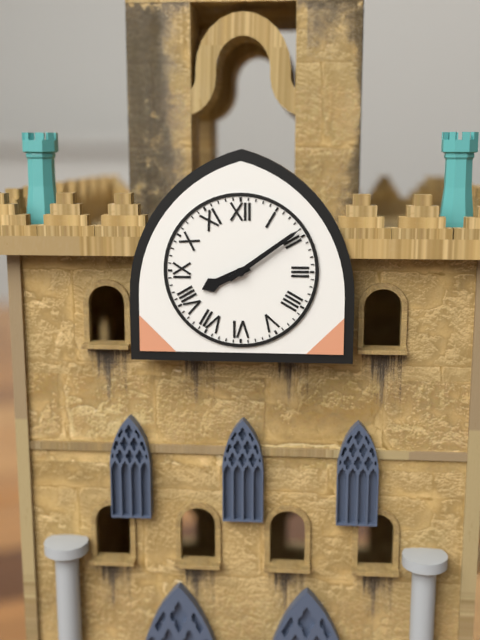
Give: 8:09
